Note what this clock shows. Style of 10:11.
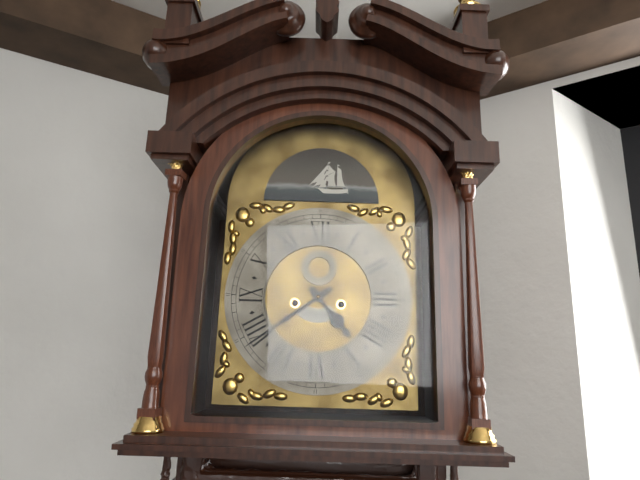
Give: 4:39
